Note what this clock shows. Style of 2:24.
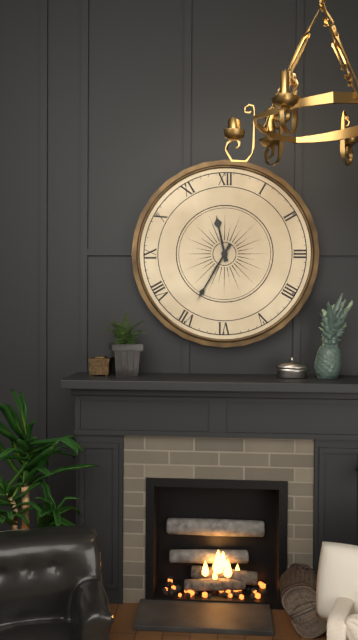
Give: 11:35
